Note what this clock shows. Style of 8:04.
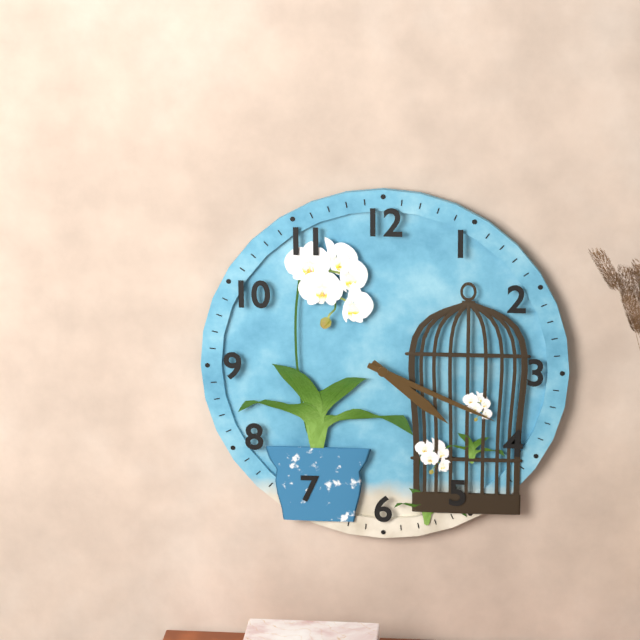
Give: 4:19
